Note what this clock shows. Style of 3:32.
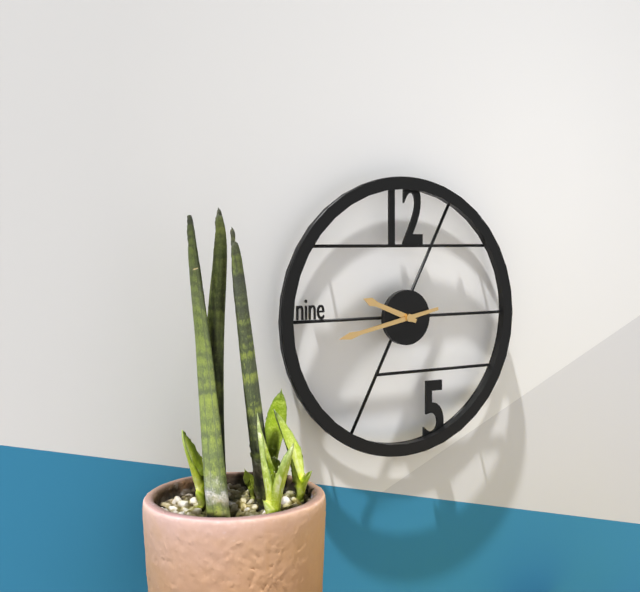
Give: 9:43
